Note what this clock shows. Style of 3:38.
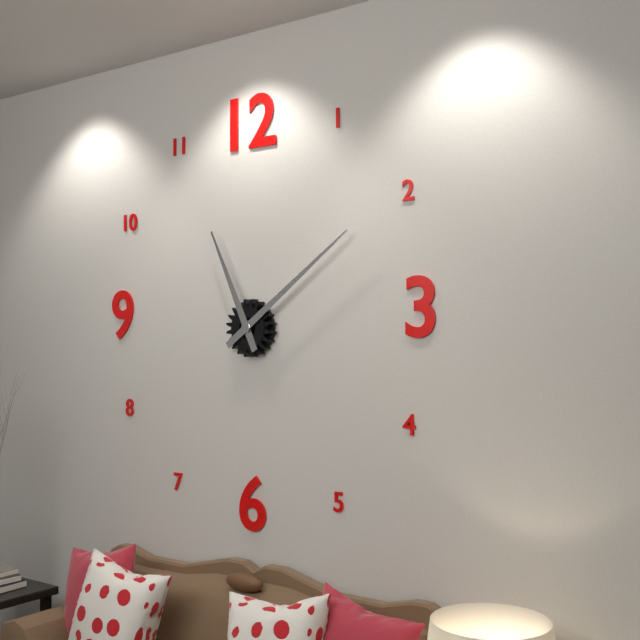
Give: 11:09
